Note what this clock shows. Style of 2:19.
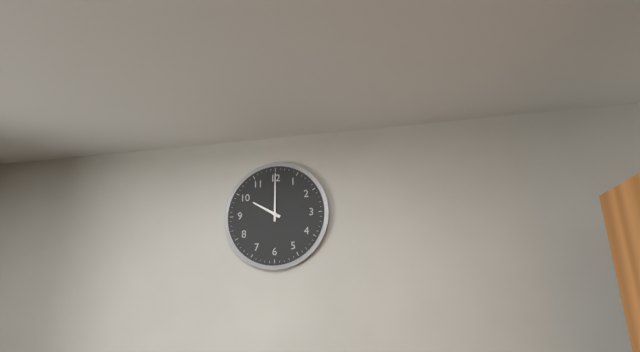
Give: 10:00
